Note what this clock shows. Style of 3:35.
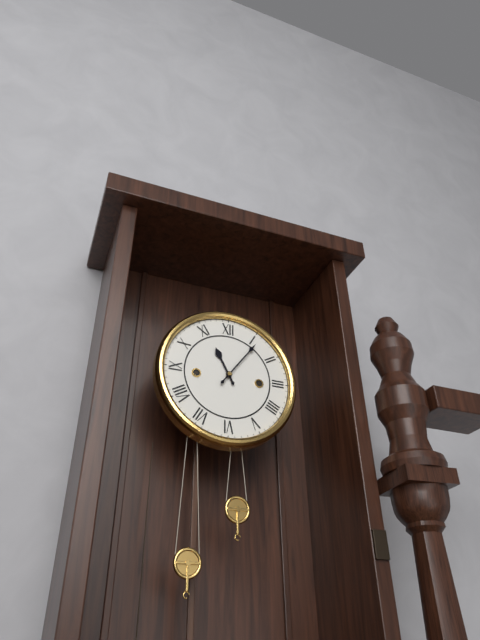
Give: 11:06
